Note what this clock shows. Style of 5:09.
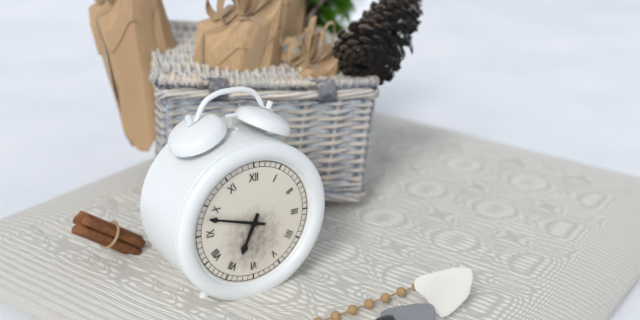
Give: 6:48
